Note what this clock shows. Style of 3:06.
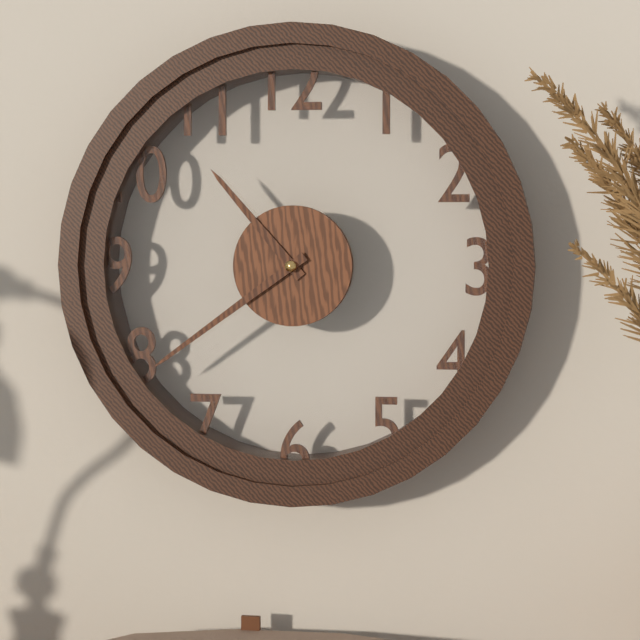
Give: 10:39
